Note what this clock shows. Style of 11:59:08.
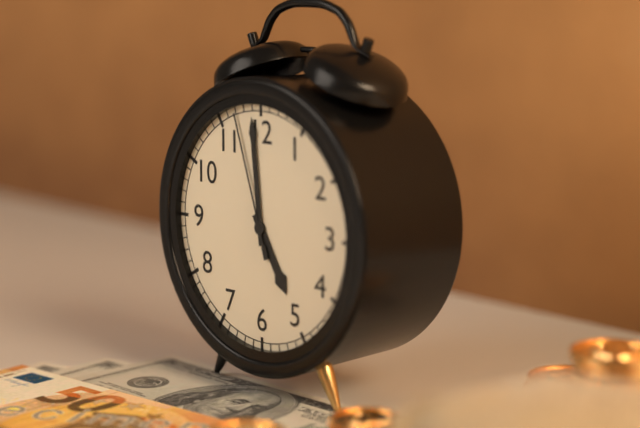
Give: 4:59:57
